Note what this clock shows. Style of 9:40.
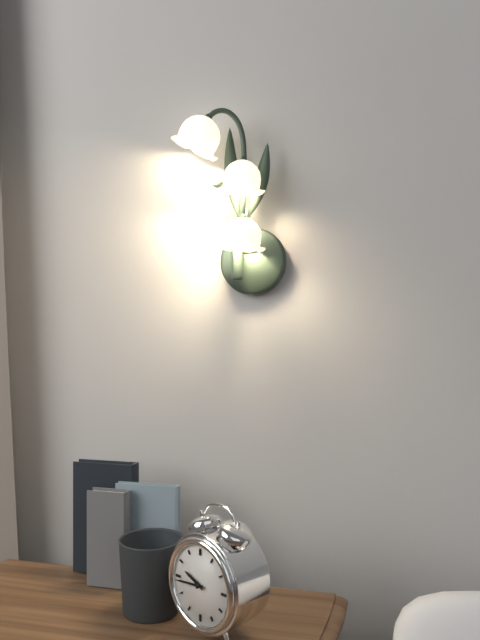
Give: 9:44
